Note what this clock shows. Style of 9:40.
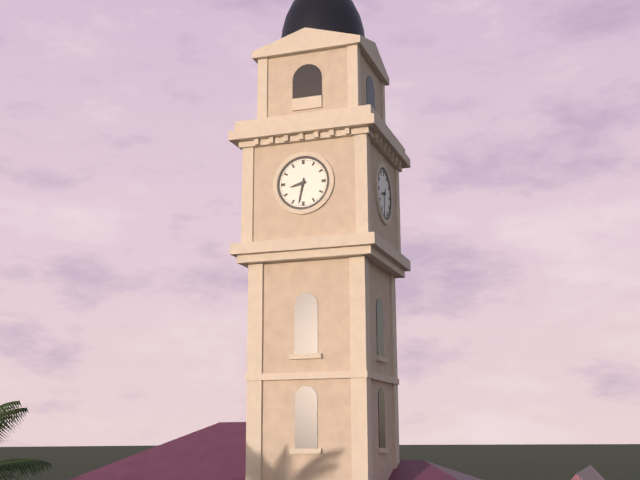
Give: 8:32
